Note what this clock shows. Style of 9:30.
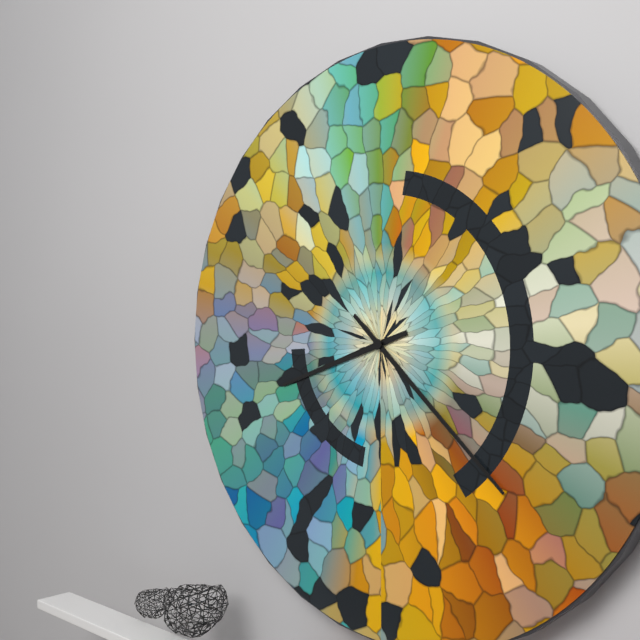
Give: 8:22
